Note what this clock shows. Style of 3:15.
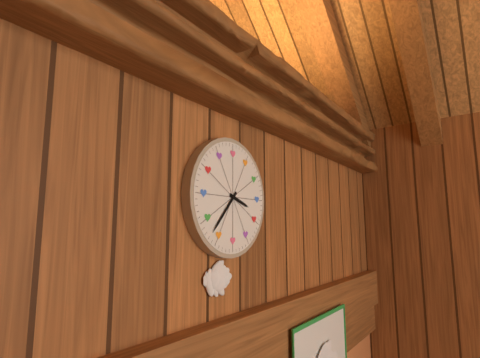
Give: 3:37
